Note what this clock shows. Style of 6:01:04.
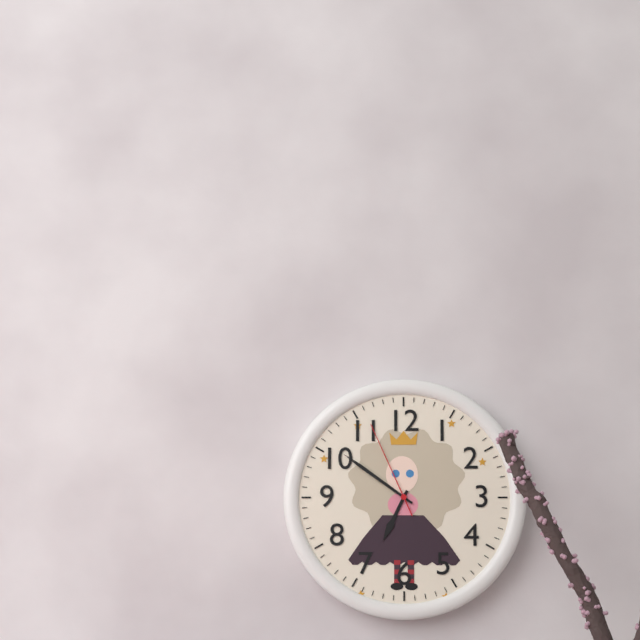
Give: 6:51:56
